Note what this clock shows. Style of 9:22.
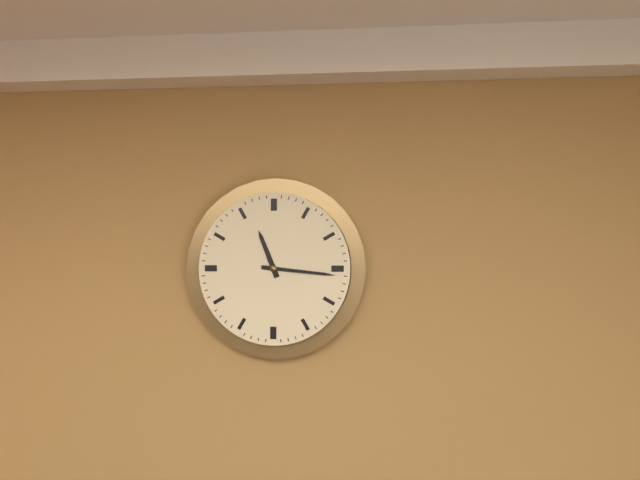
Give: 11:16
